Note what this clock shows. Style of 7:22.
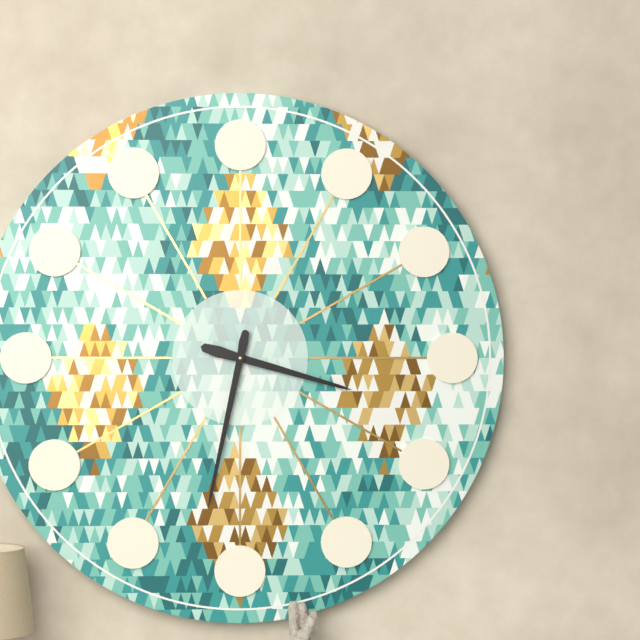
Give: 3:32
